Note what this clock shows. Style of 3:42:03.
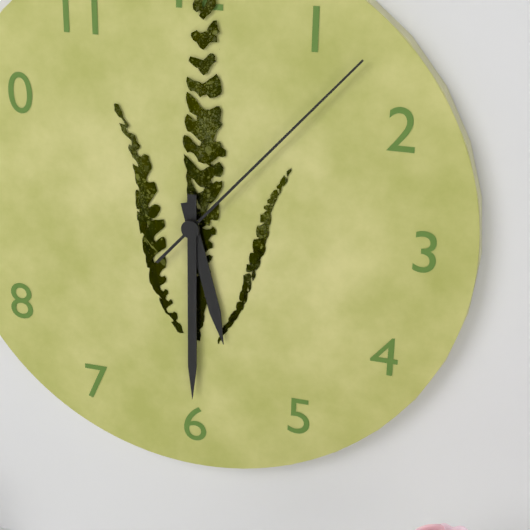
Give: 5:30:07
